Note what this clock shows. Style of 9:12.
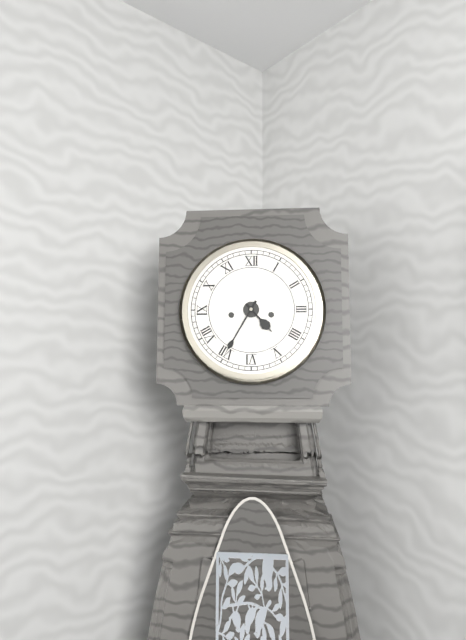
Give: 4:35
